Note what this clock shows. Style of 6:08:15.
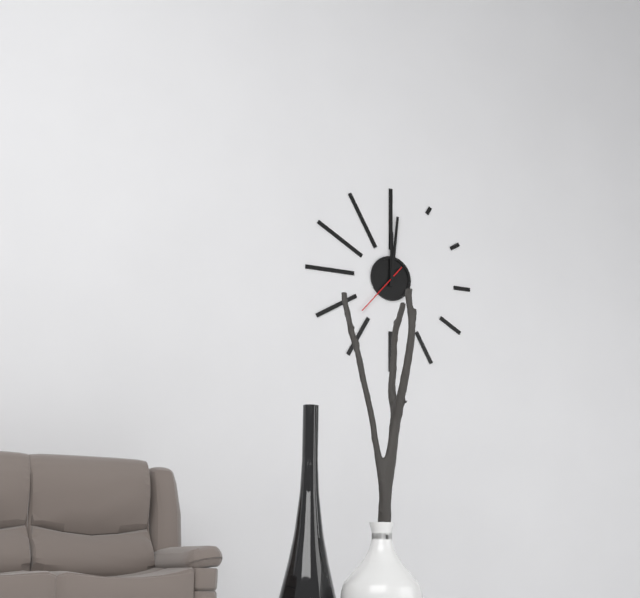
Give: 12:01:37
